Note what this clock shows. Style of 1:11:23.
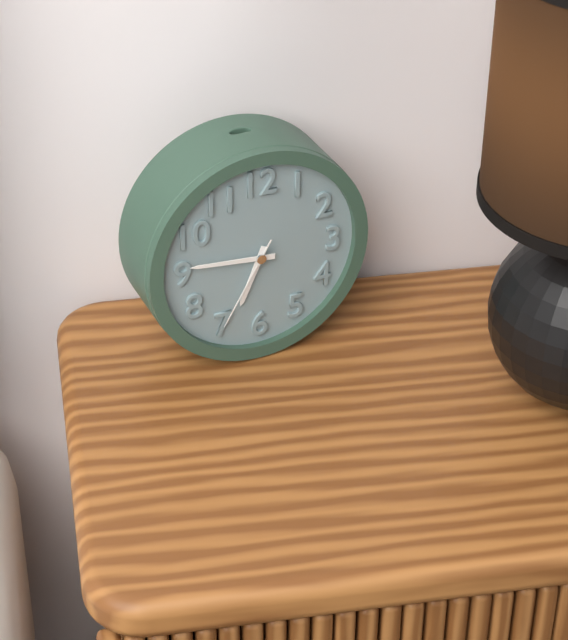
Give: 6:46:35
